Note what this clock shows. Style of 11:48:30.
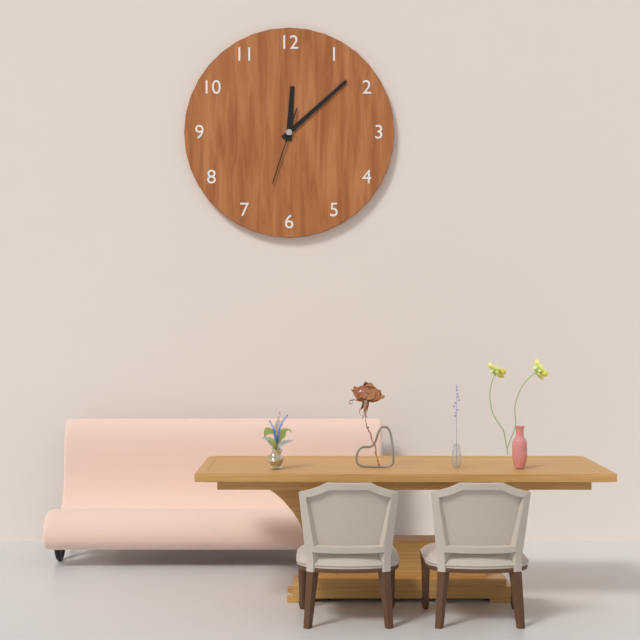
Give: 12:08:33
